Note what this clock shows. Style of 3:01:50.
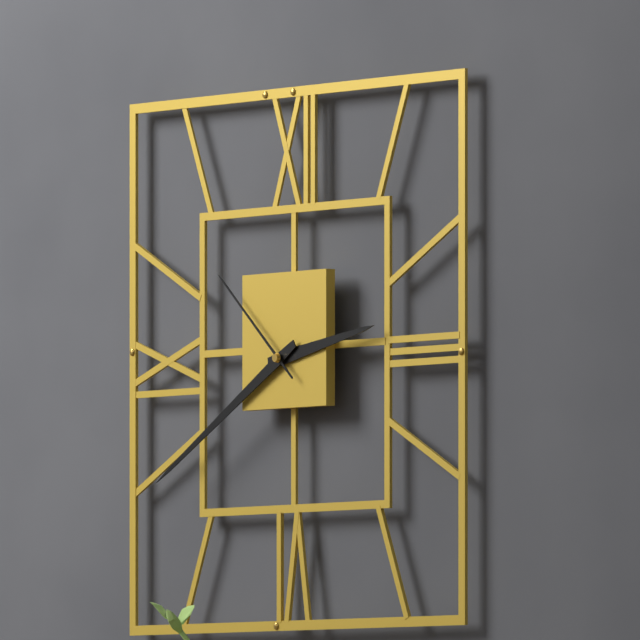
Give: 2:40:52
